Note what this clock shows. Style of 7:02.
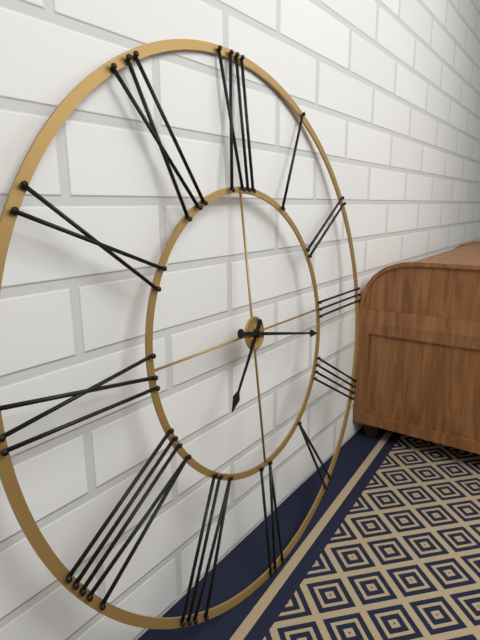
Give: 7:17
